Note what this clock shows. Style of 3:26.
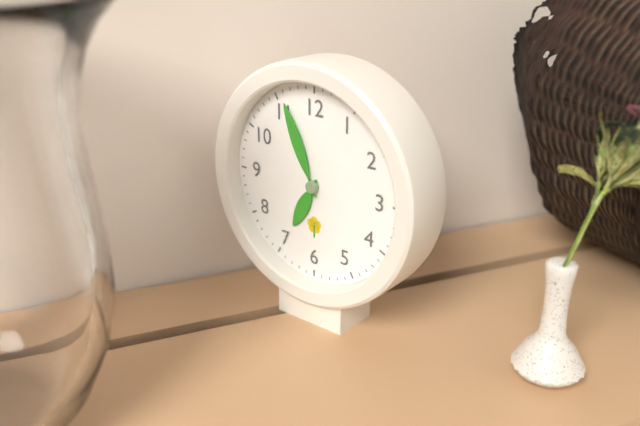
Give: 6:56
